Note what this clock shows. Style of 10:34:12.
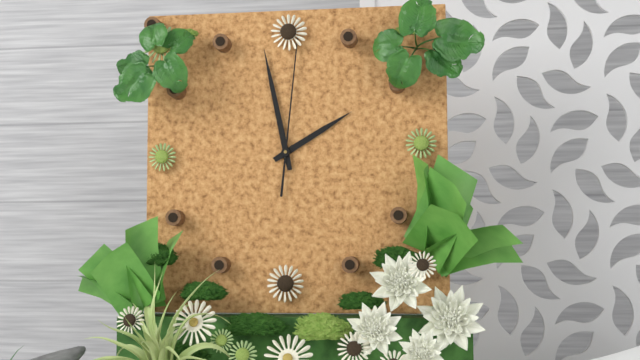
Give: 1:58:01
